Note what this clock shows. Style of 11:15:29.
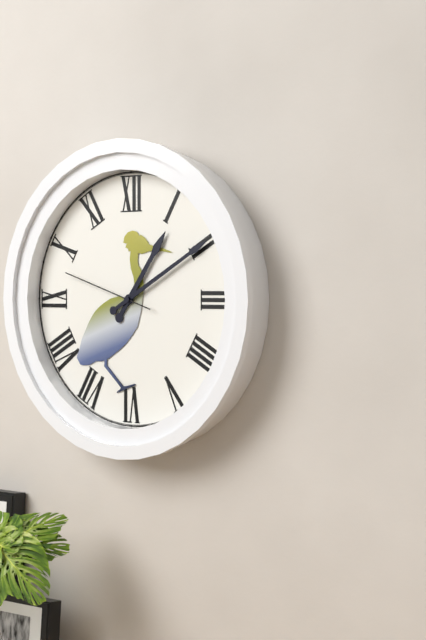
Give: 1:10:48
